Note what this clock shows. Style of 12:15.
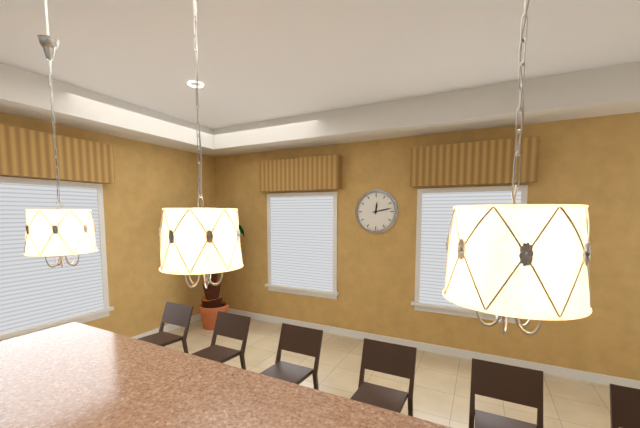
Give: 12:13
